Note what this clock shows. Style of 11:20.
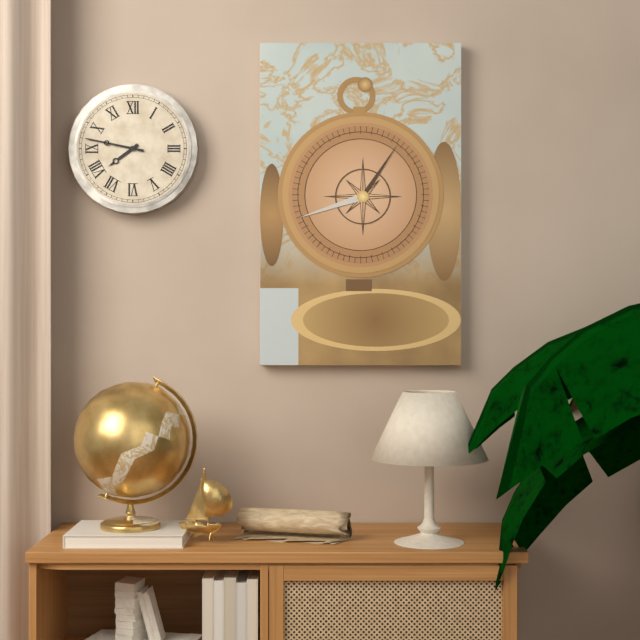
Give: 7:47
